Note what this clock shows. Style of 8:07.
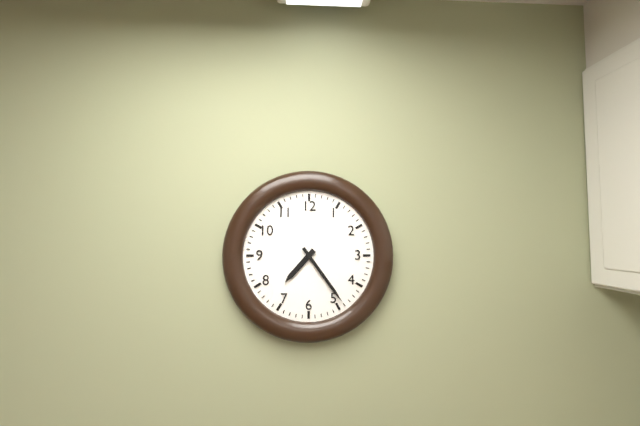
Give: 7:24
